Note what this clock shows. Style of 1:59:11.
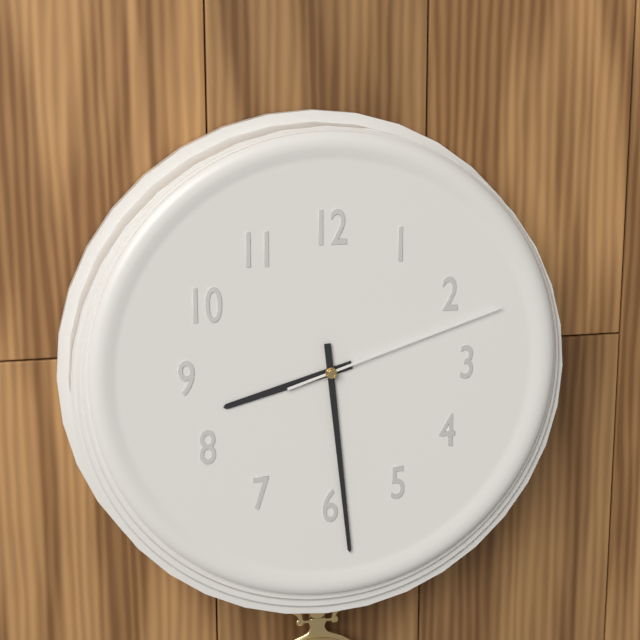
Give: 8:29:12
